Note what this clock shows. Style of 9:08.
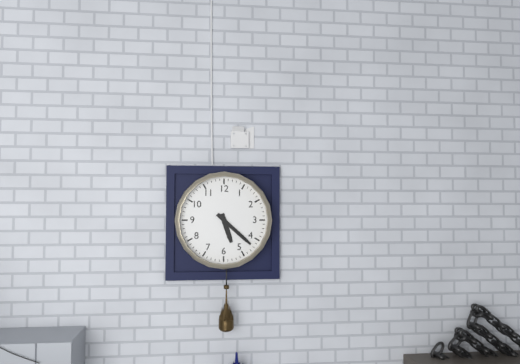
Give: 5:22
